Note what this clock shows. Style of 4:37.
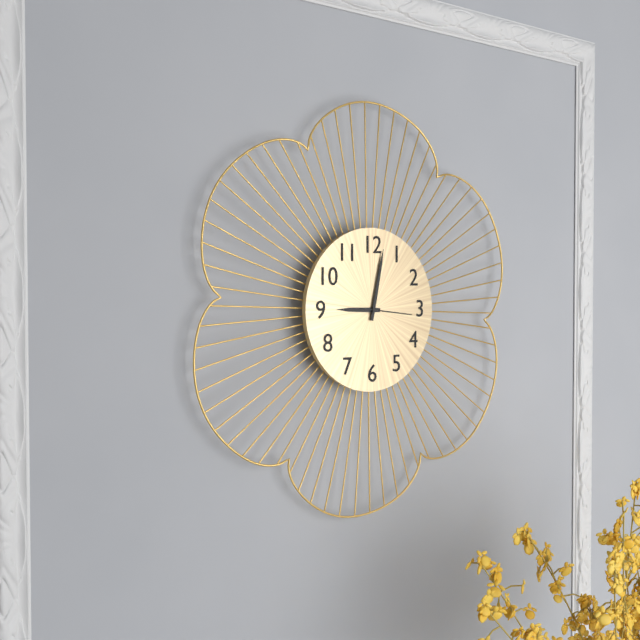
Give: 9:02
